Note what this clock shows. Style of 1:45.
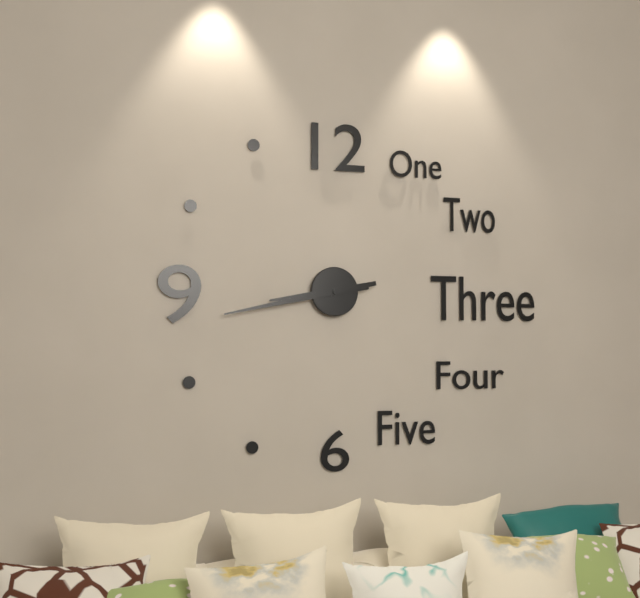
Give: 8:43
